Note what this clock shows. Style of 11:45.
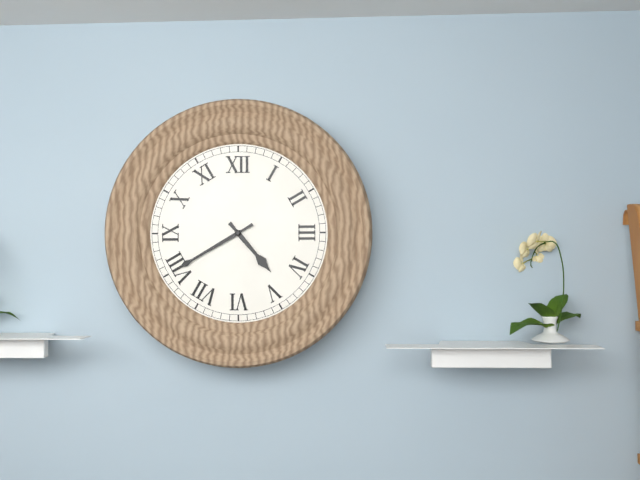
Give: 4:40
